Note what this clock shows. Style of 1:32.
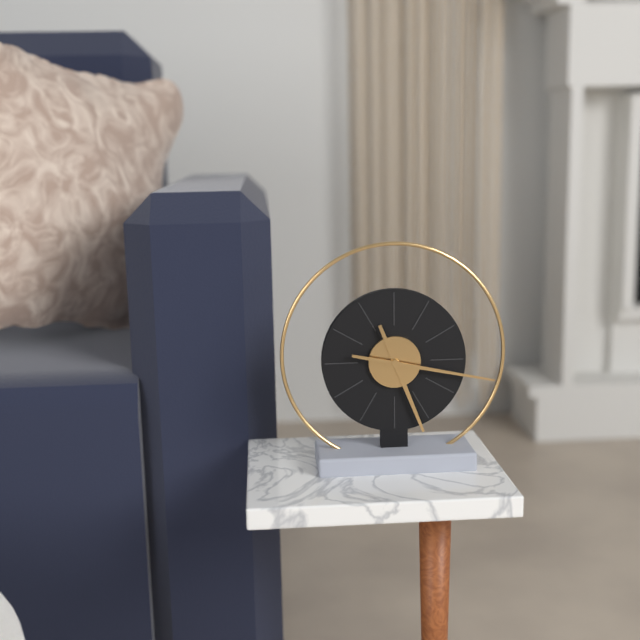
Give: 5:17
